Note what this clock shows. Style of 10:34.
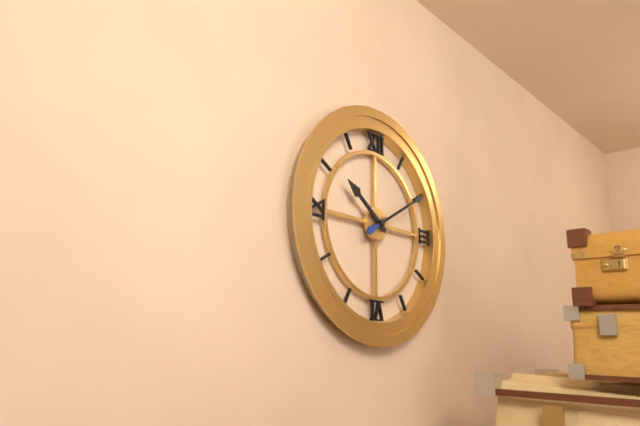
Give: 10:10
